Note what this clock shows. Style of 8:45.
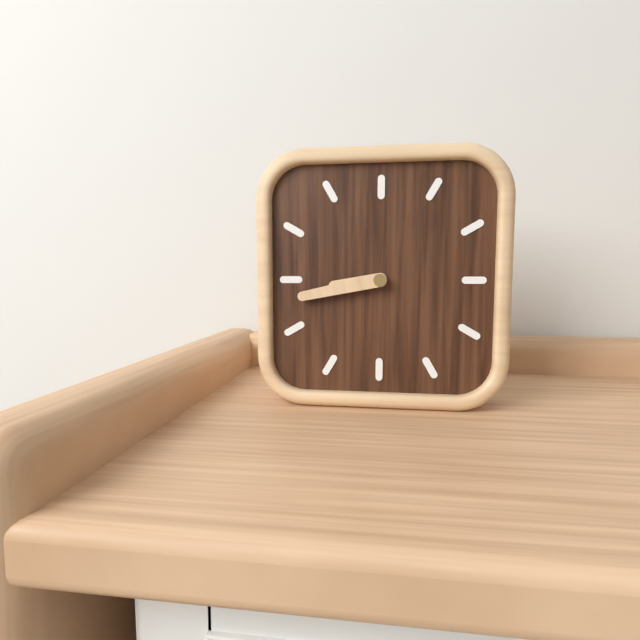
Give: 8:43
